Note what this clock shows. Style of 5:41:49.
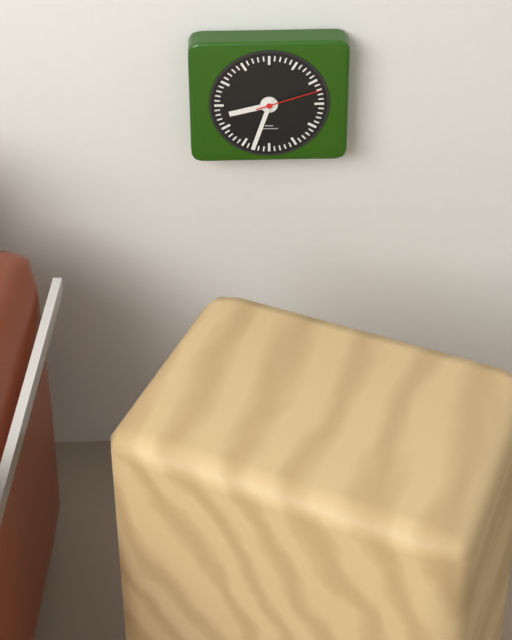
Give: 8:33:12
